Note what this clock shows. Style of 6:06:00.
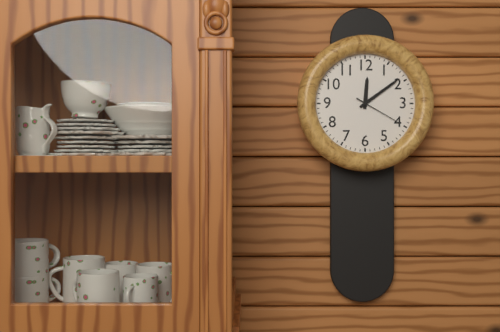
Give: 12:09:20
